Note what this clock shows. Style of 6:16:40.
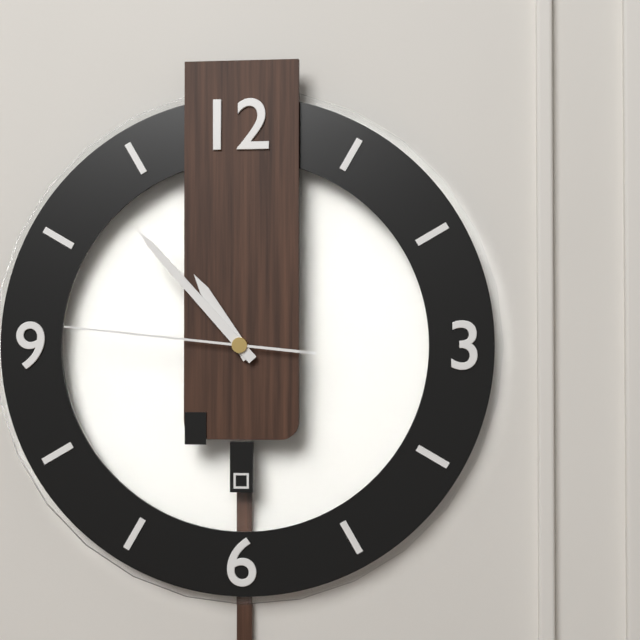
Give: 10:53:46
